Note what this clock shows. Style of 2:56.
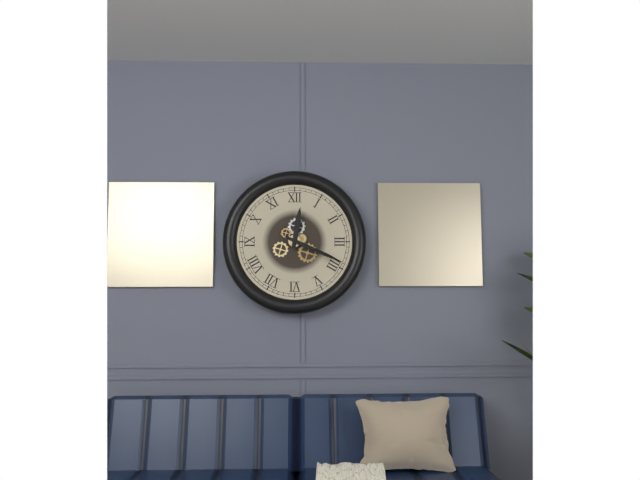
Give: 12:19
